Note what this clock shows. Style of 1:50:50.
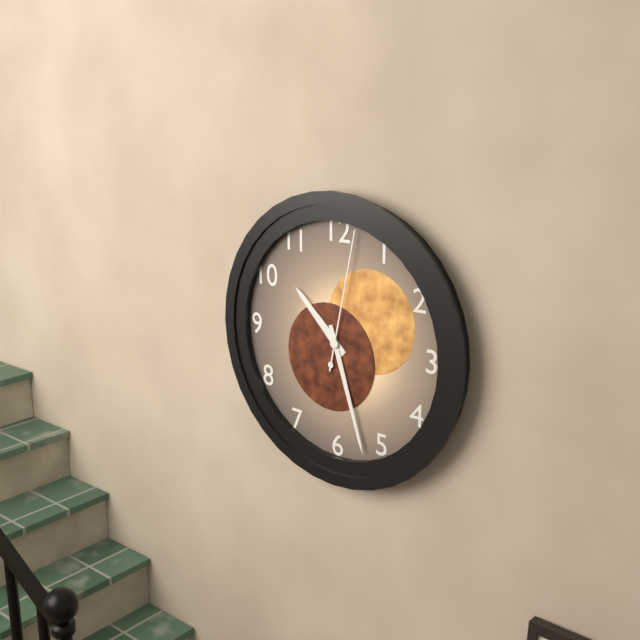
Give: 10:27:02
